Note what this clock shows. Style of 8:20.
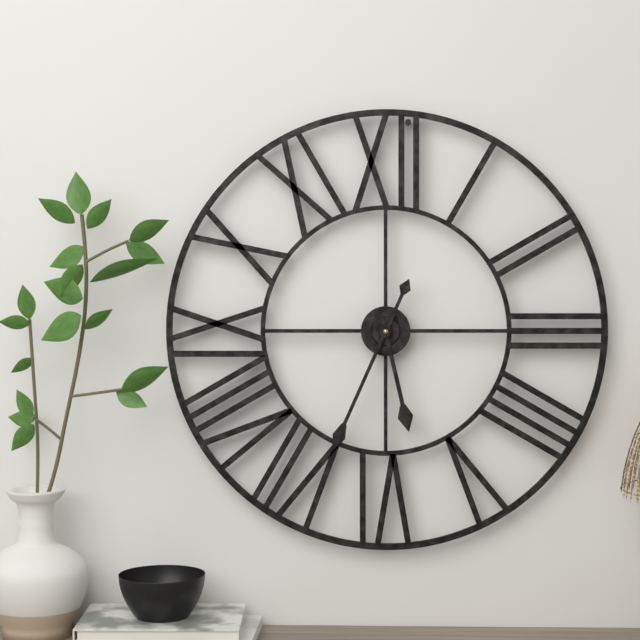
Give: 5:34
